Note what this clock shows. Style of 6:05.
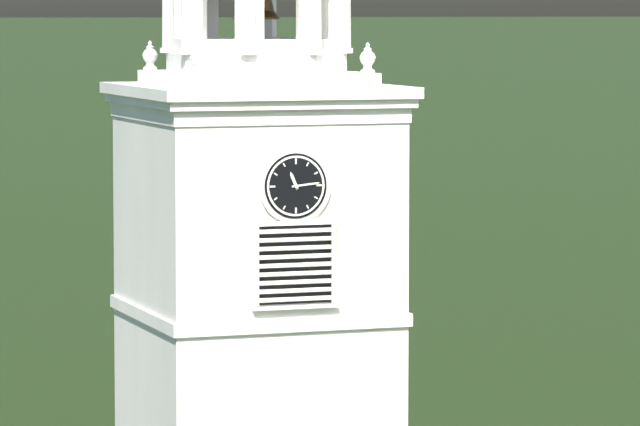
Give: 11:14
